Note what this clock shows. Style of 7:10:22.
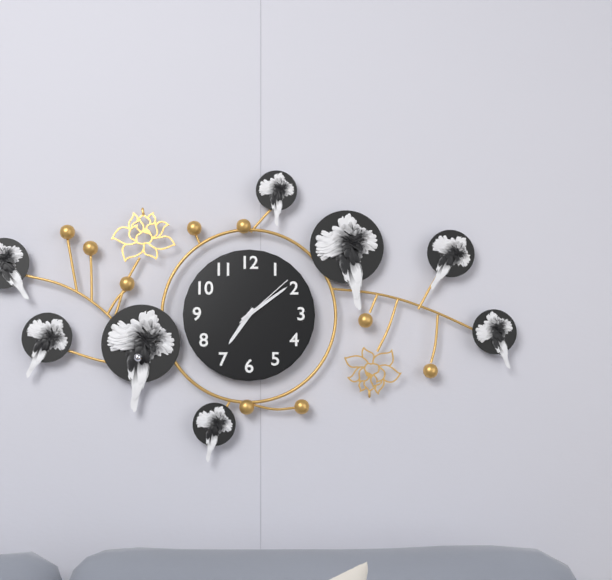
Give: 7:09:08
